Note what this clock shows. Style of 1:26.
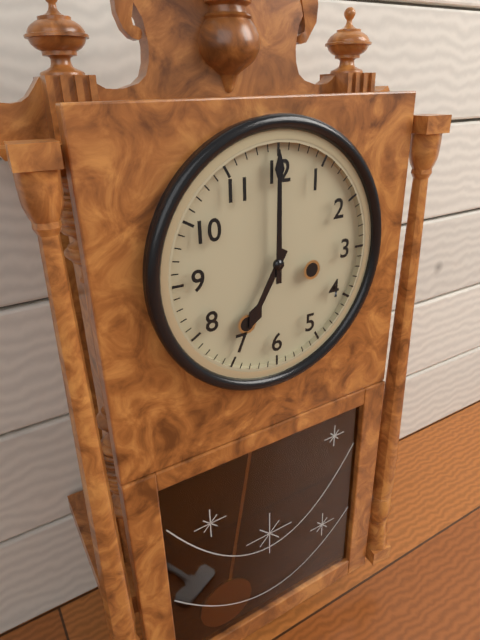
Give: 7:00
